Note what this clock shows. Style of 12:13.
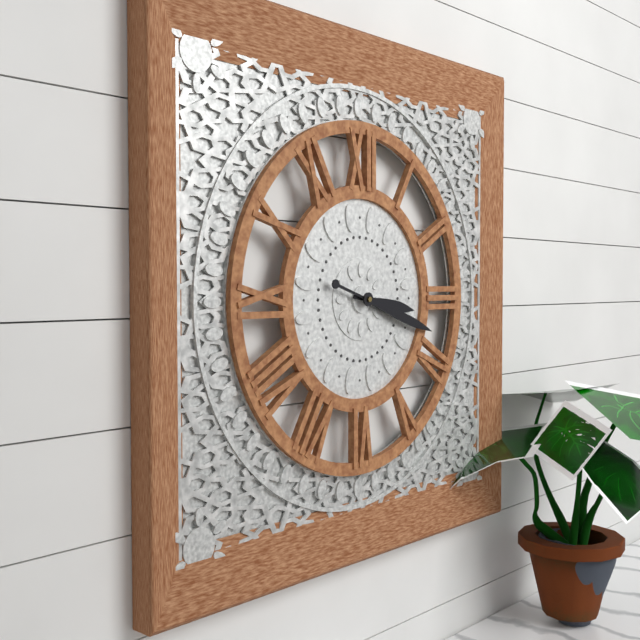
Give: 3:18
